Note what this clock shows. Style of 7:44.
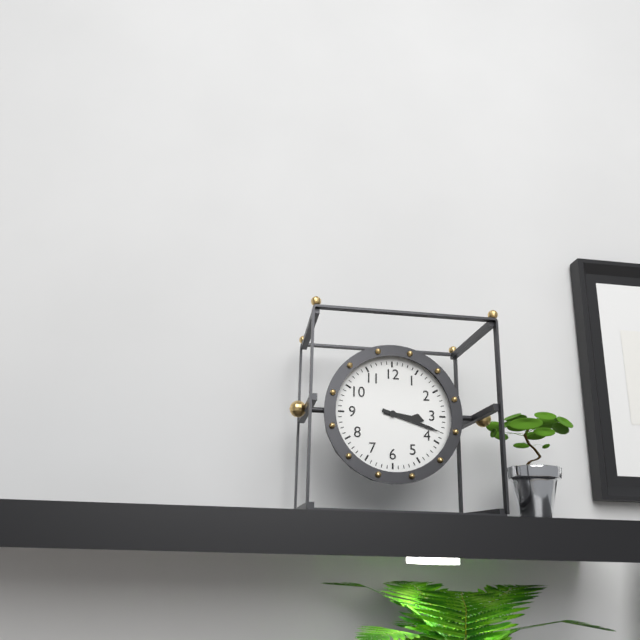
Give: 3:18
